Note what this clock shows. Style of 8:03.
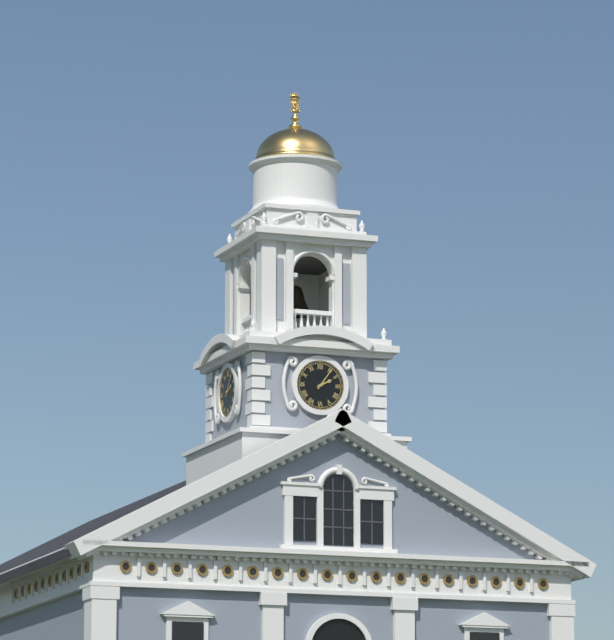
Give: 2:06
